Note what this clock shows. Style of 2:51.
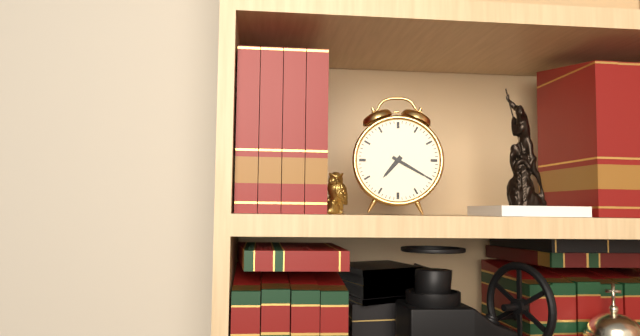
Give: 7:20
